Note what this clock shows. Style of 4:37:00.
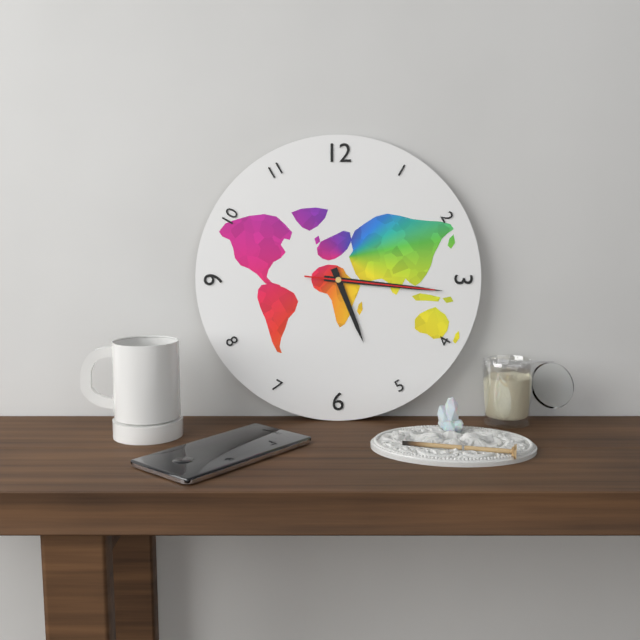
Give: 5:16:16
